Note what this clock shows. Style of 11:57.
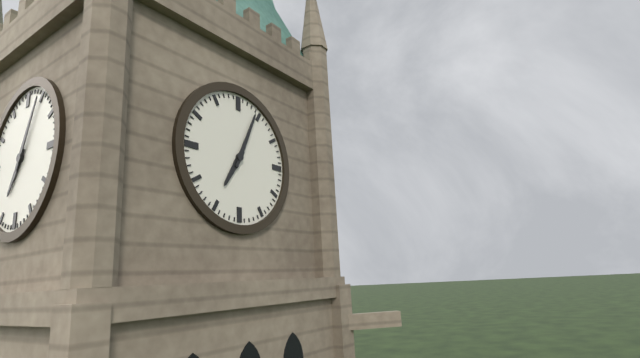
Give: 7:04
